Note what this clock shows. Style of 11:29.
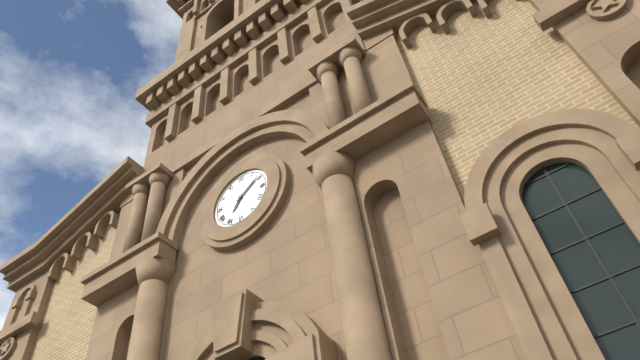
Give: 7:09
